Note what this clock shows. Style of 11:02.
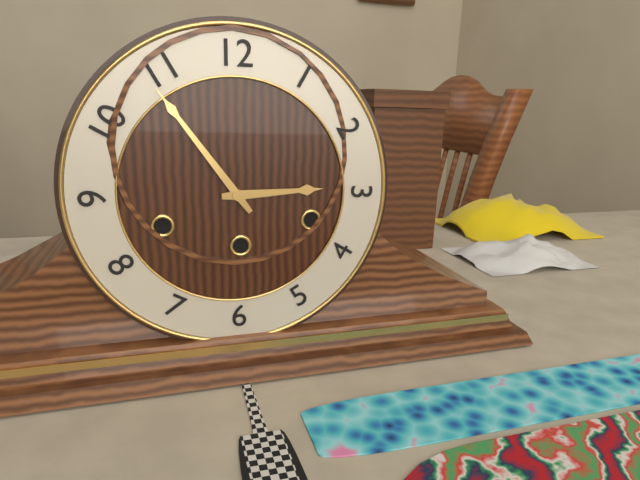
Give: 2:54
